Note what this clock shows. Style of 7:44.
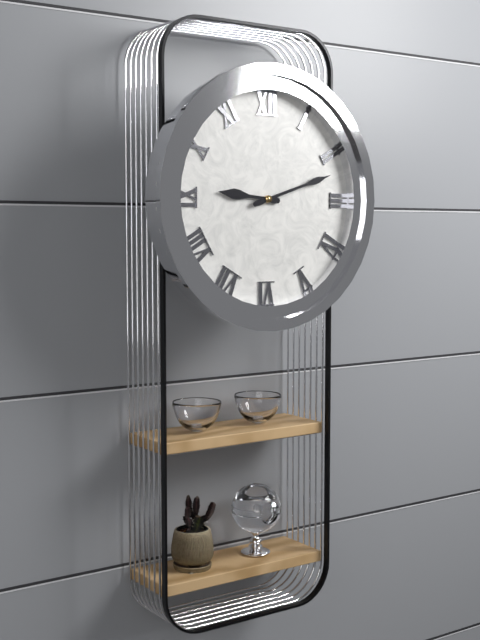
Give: 9:12
